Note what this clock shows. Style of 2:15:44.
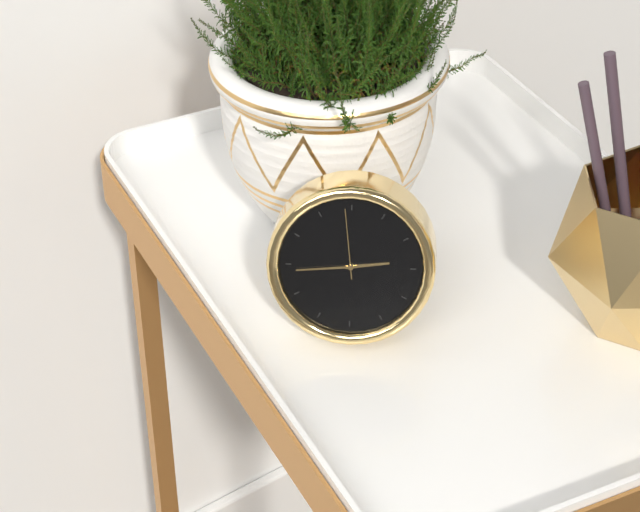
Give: 2:44:59
